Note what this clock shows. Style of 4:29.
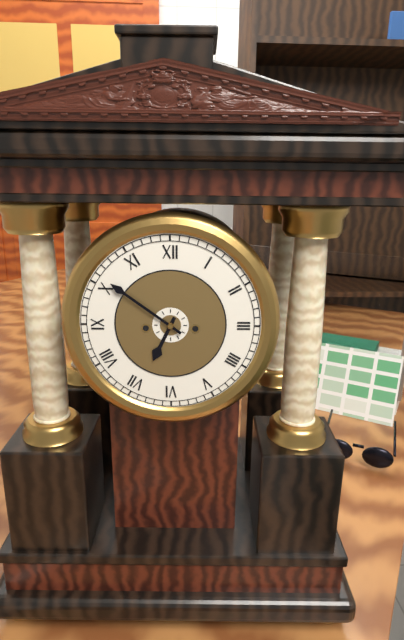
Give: 6:51
